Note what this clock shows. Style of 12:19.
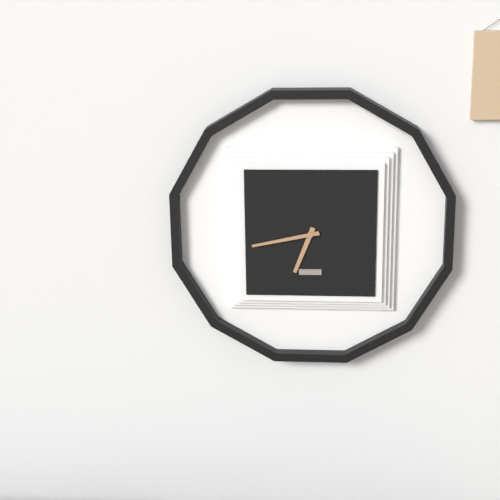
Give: 6:43
